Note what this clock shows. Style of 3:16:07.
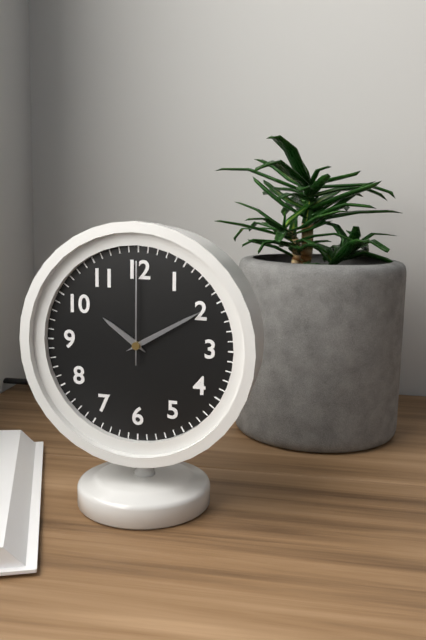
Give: 10:10:00
